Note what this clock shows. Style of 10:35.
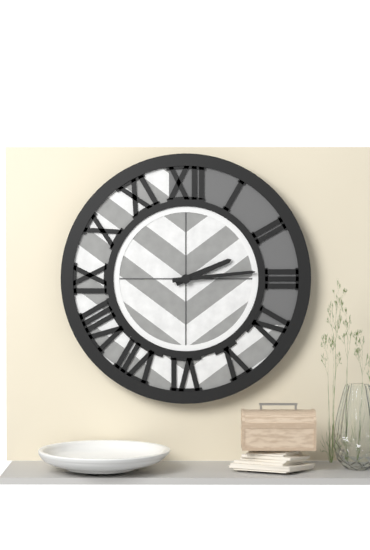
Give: 2:14
